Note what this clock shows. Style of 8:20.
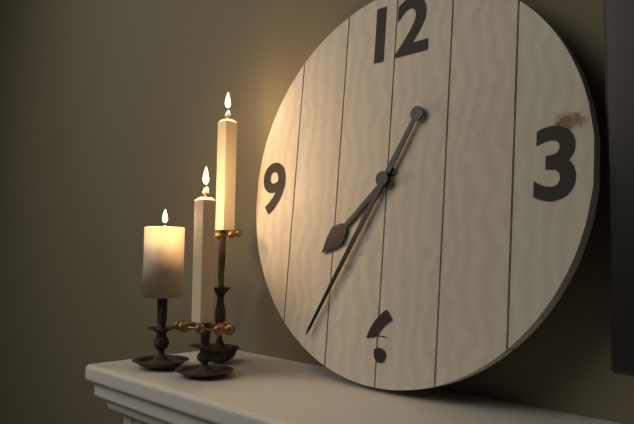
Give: 7:35
